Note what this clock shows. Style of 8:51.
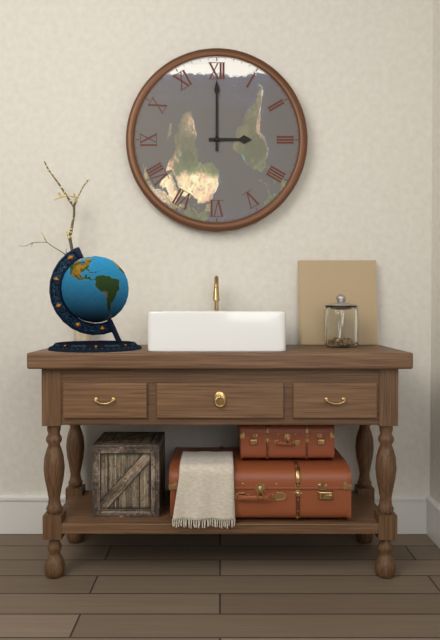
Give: 3:00
